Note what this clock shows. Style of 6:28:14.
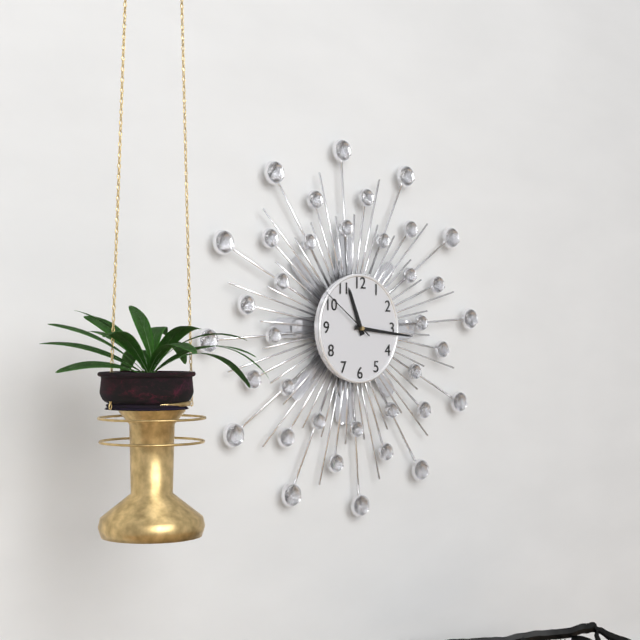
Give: 11:16:51
